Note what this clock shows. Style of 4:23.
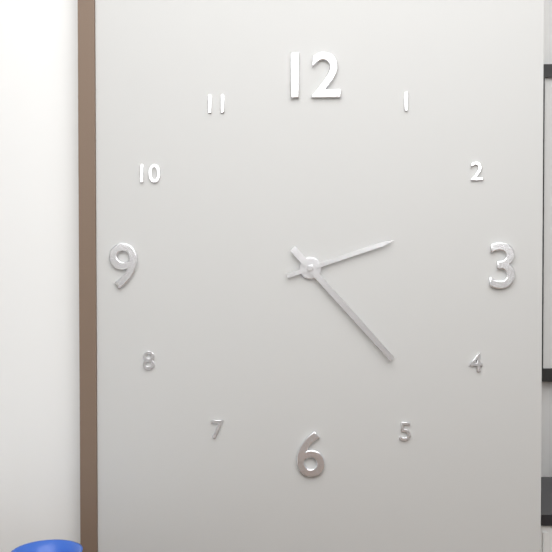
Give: 2:23
